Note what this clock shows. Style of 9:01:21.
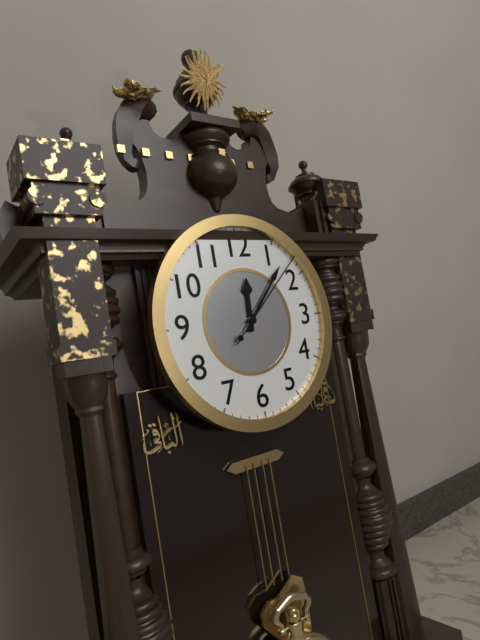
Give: 12:07:08
